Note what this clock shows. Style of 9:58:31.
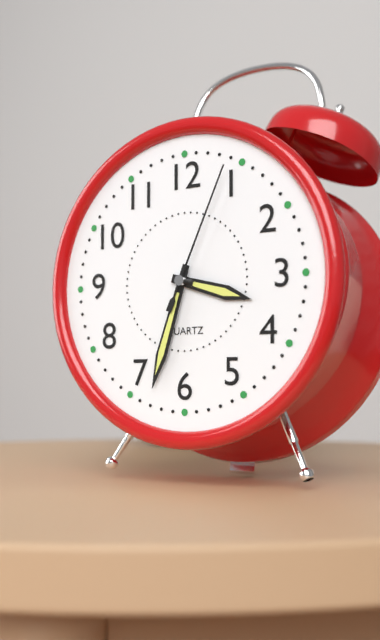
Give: 3:33:04
